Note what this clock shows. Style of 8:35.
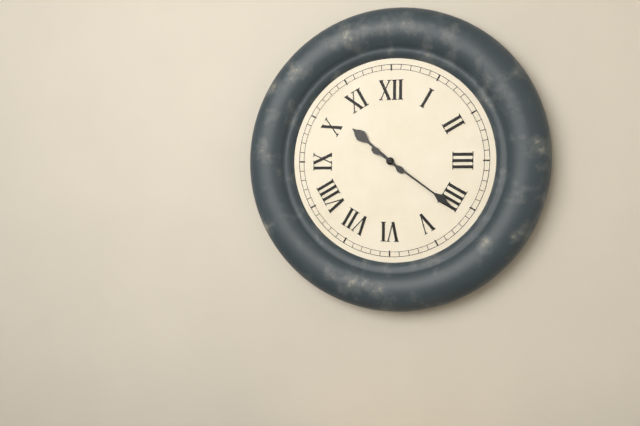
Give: 10:21
